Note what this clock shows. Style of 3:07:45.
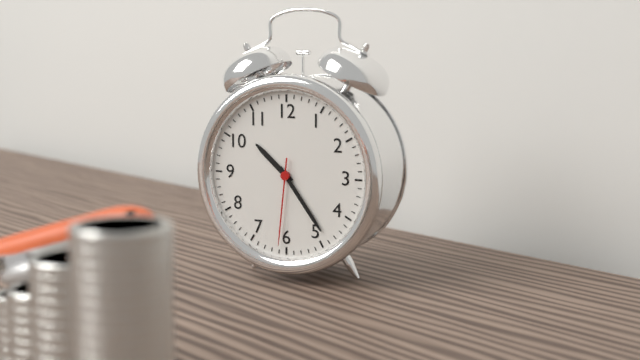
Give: 10:24:31
